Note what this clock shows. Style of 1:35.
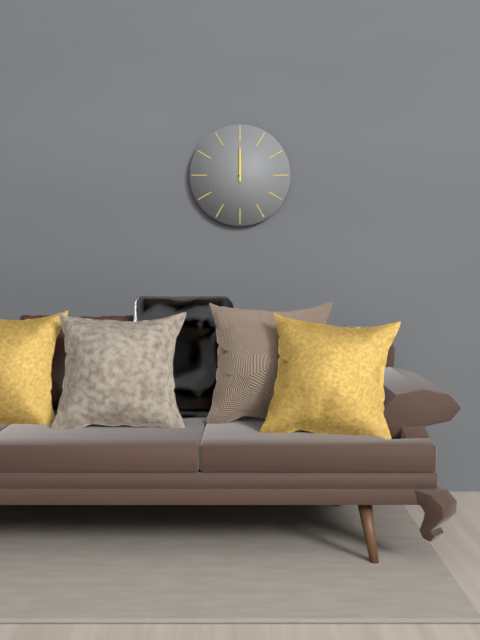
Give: 12:00
